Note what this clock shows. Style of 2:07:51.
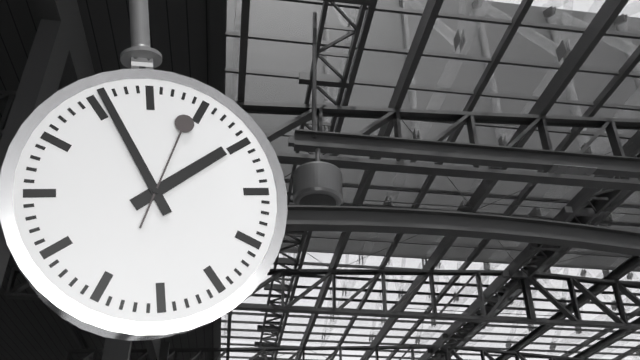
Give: 1:56:04
